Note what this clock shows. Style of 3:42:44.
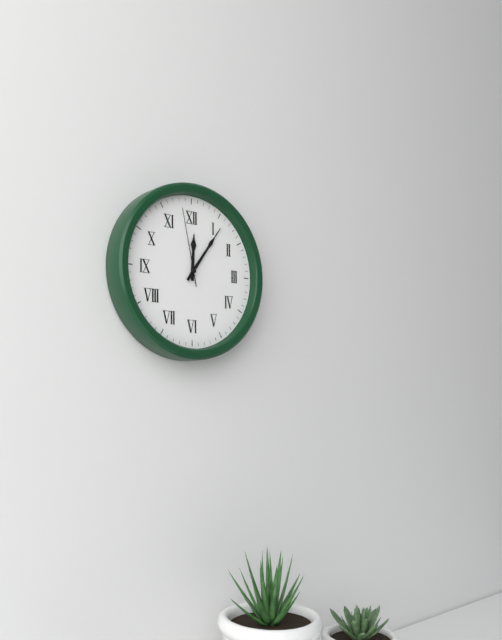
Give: 12:06:58
